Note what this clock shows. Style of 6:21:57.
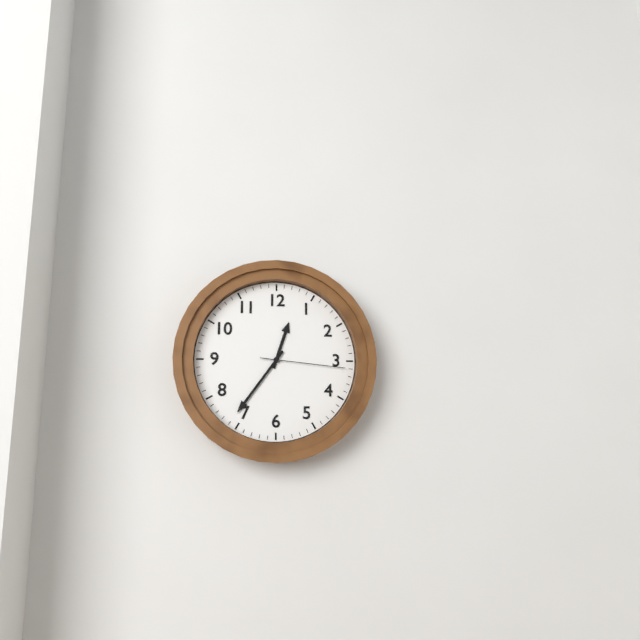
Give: 12:36:16
